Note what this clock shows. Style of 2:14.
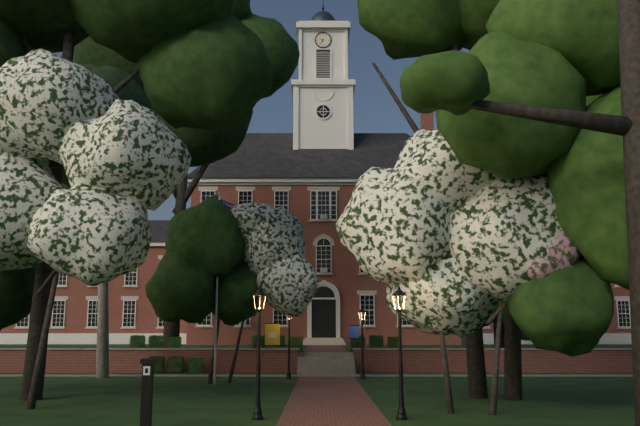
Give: 9:36
